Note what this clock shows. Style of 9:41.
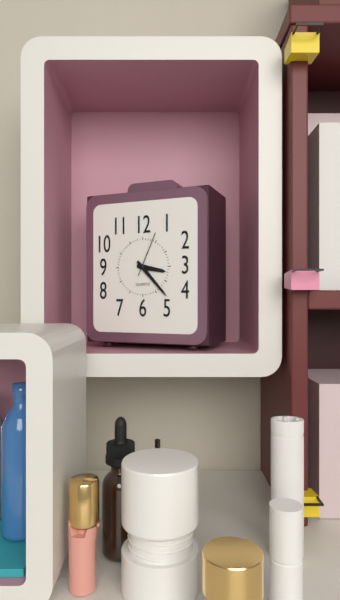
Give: 3:23
